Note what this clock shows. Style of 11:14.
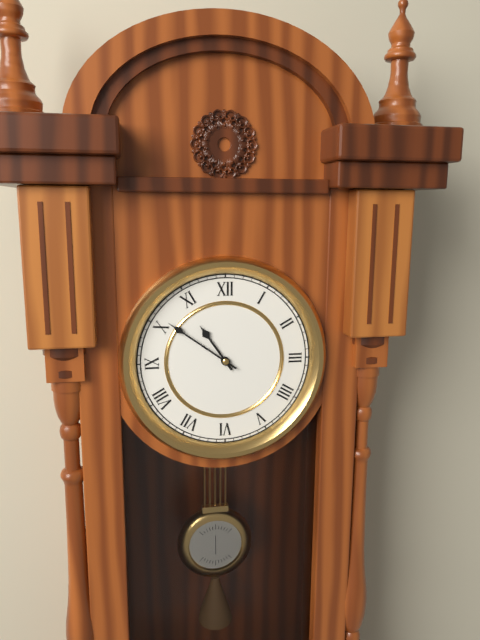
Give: 10:51
